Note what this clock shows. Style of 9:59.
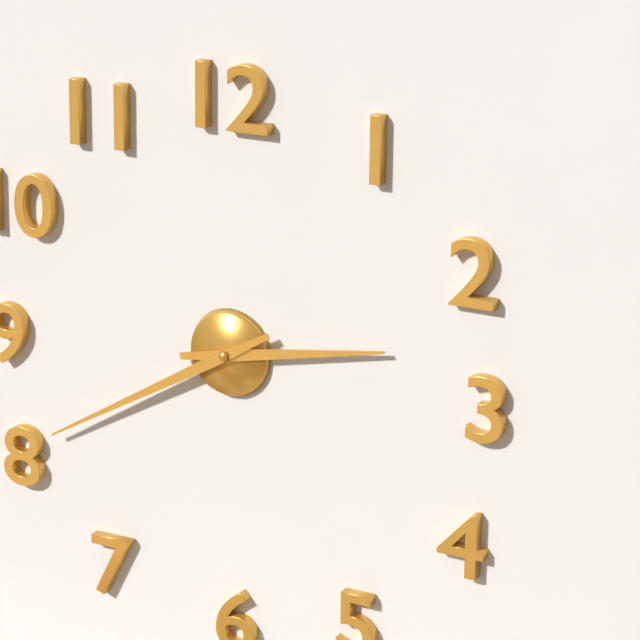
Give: 2:40
